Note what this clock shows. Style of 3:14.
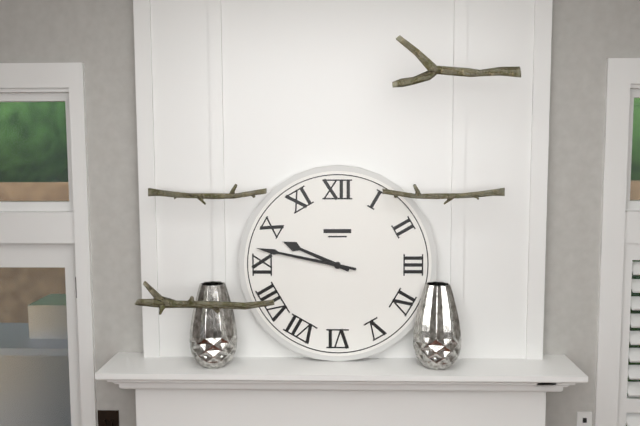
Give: 9:47
